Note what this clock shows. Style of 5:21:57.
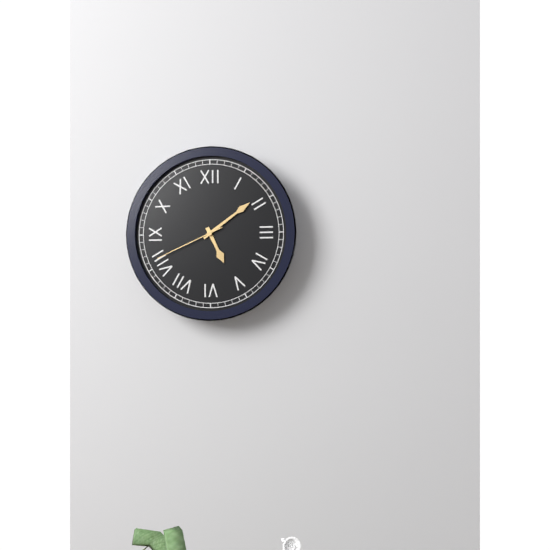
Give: 5:09:41
